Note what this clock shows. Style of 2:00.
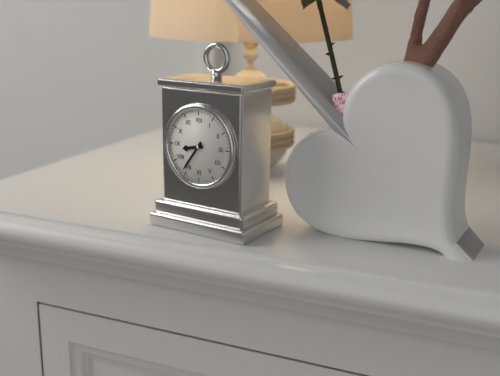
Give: 8:36
